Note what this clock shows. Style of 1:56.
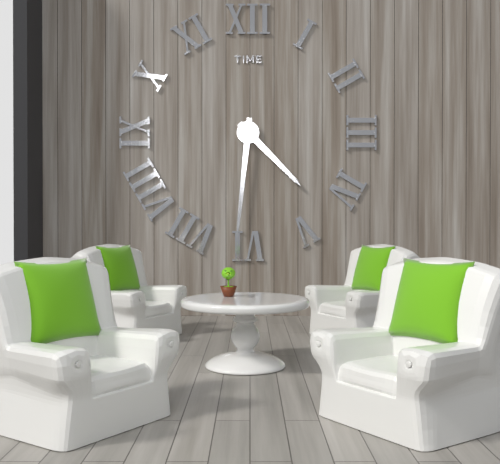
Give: 4:31
